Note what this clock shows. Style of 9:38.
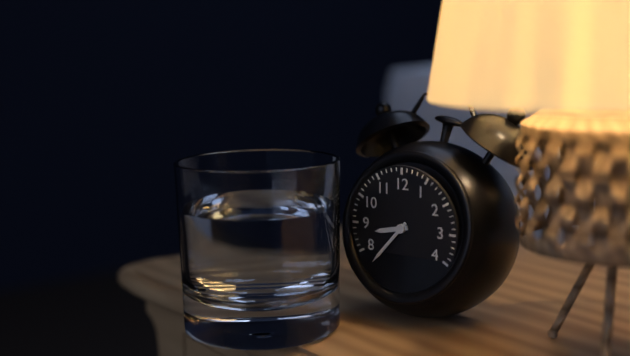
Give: 8:37
